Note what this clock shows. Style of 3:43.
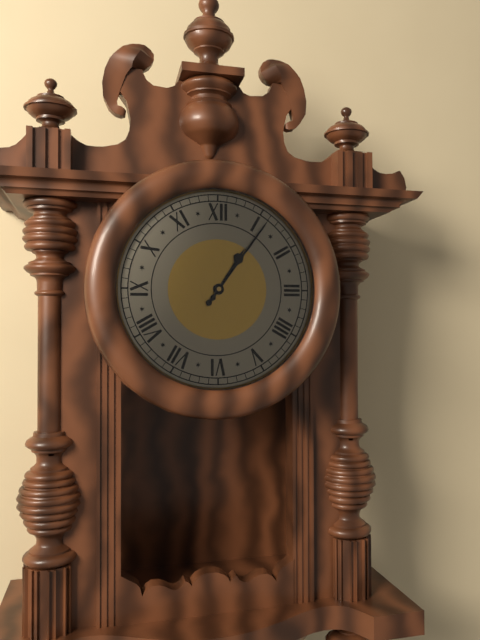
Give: 1:06
